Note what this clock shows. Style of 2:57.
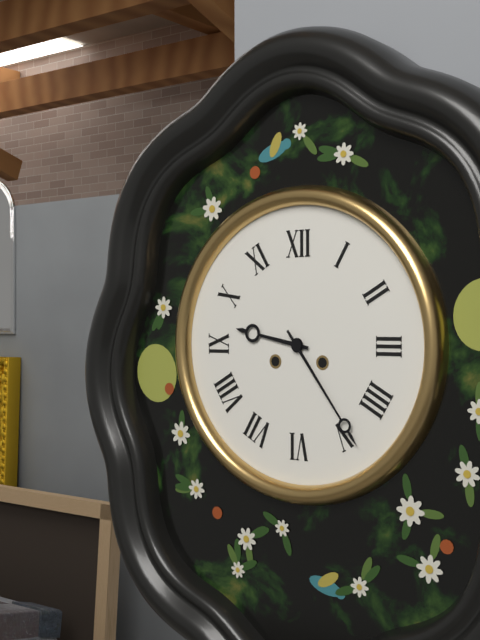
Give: 9:24
